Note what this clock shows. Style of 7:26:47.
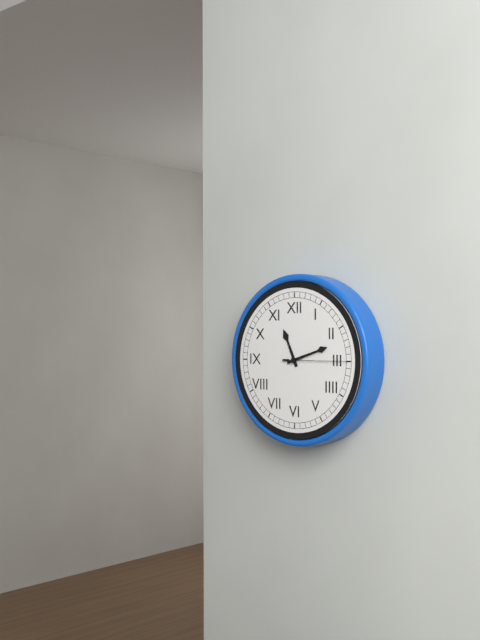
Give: 11:12:15
